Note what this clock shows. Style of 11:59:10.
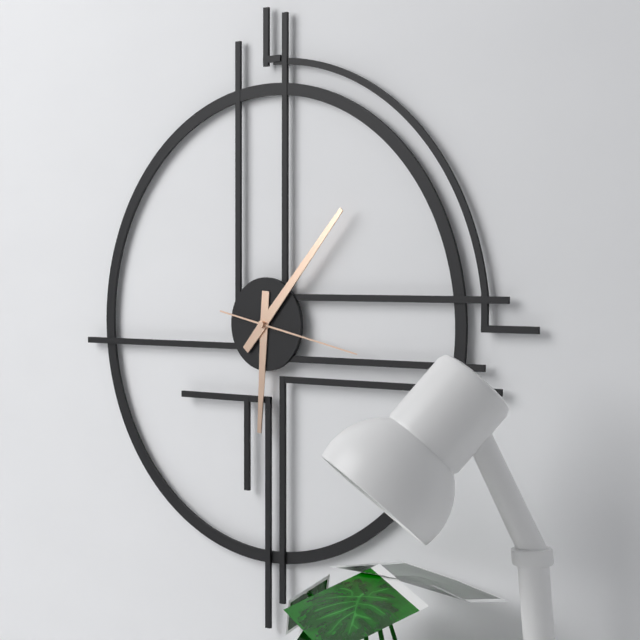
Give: 6:07:17
